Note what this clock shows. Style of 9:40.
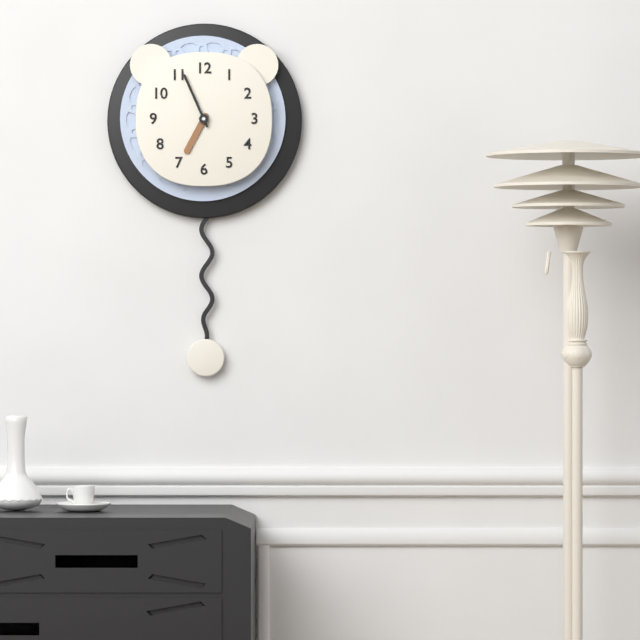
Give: 6:56
